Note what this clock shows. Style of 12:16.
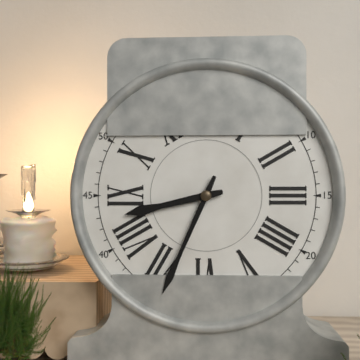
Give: 8:34
